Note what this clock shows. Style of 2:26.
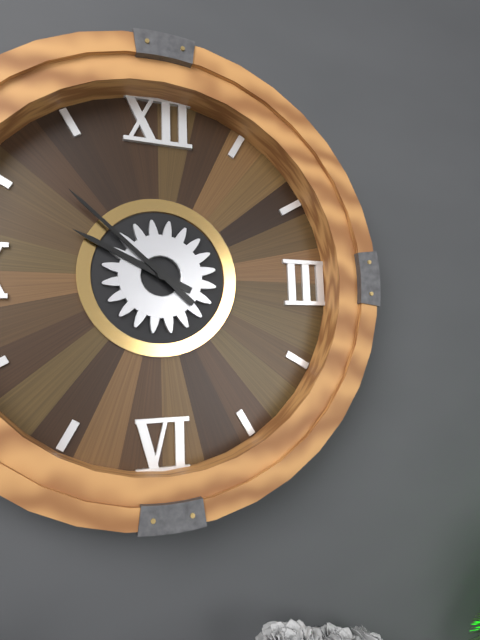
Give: 9:52
